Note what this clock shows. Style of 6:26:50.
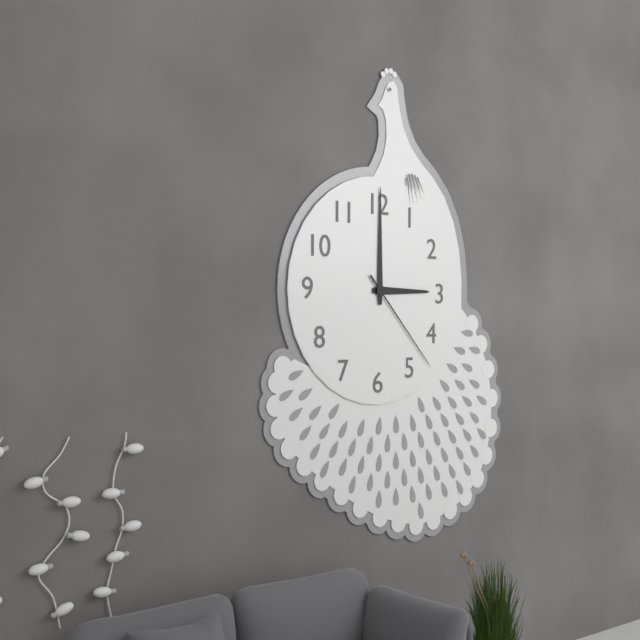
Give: 3:00:23
